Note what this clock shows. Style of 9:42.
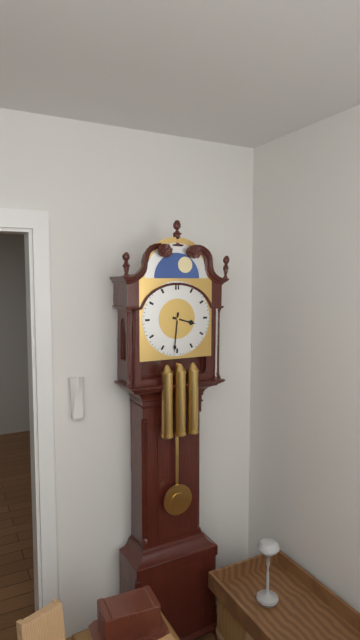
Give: 3:31
